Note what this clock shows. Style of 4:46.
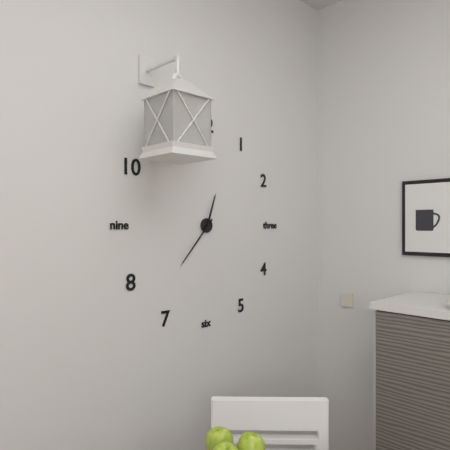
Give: 12:37
